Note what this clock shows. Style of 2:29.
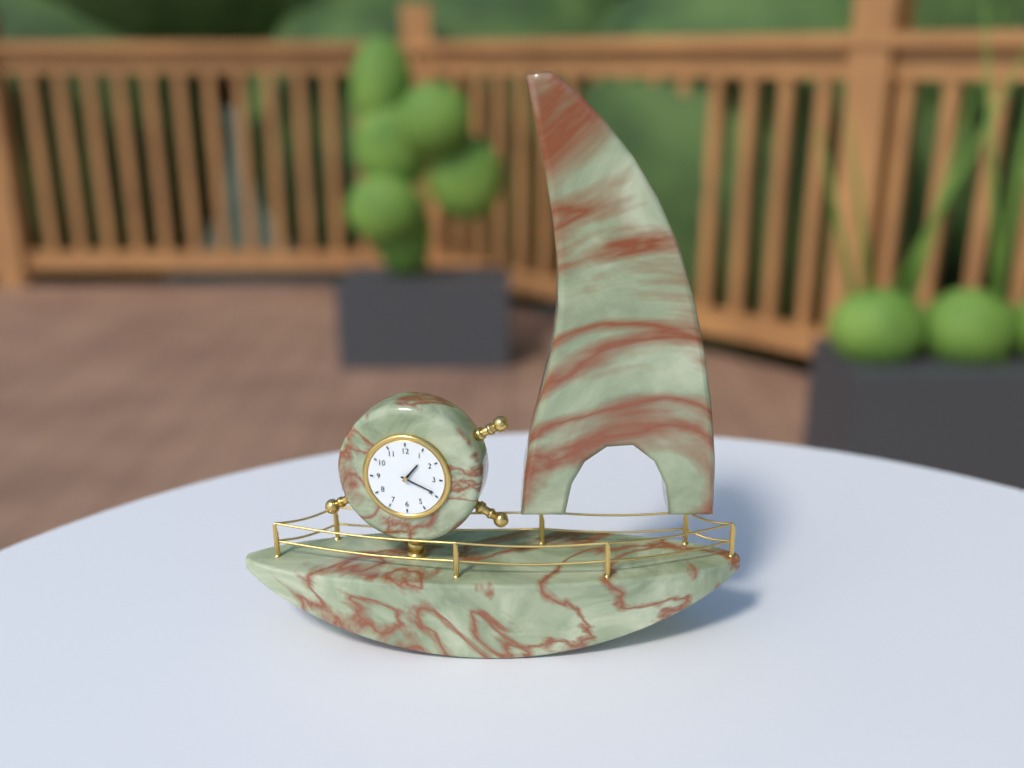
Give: 1:19
